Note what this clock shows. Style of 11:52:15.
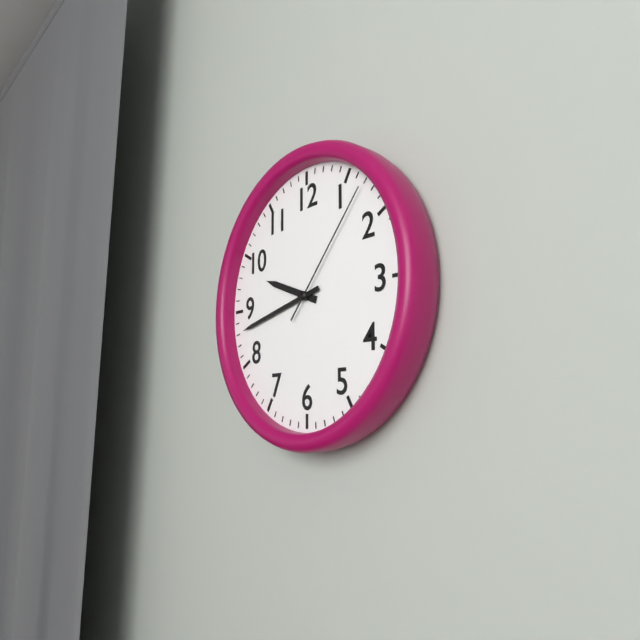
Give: 9:43:07
